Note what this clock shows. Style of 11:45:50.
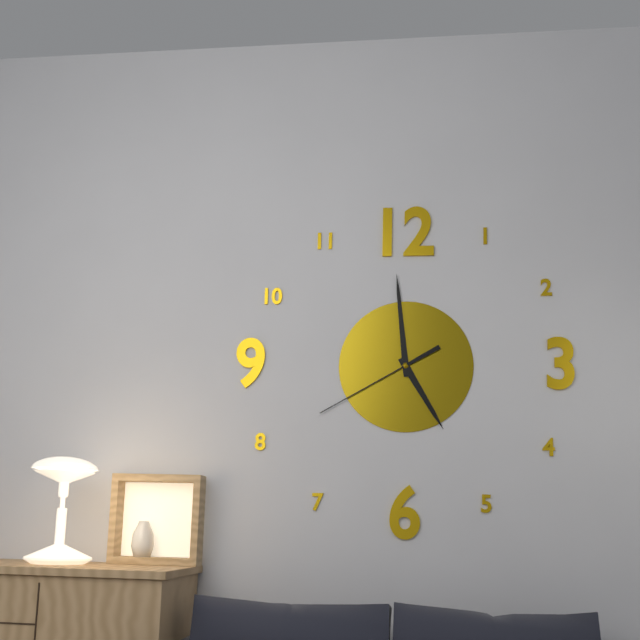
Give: 4:59:40
